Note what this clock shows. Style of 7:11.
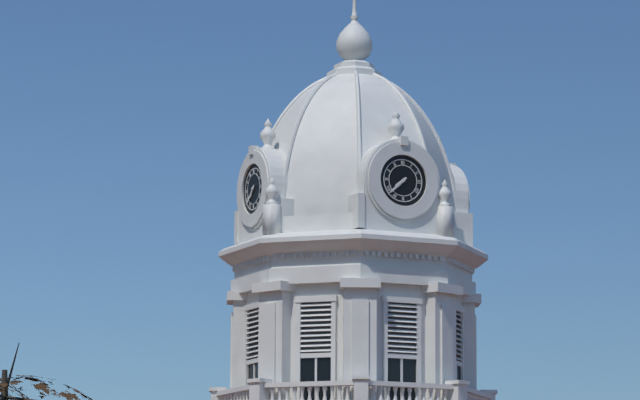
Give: 7:38
